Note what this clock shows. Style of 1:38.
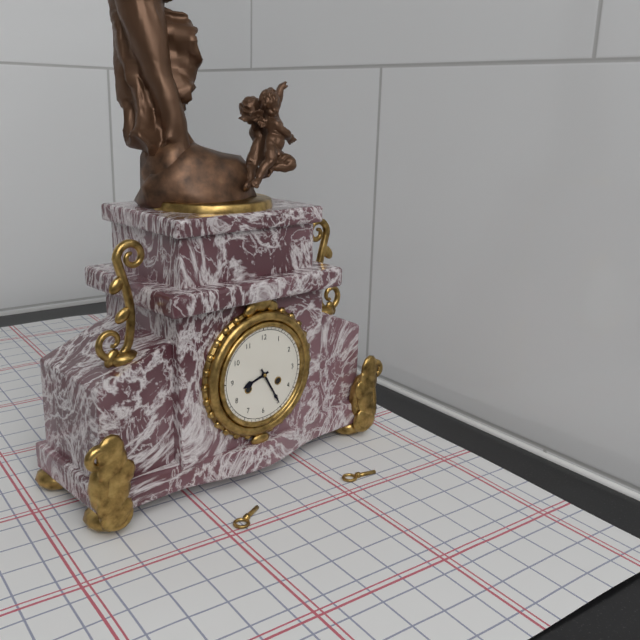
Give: 8:25
